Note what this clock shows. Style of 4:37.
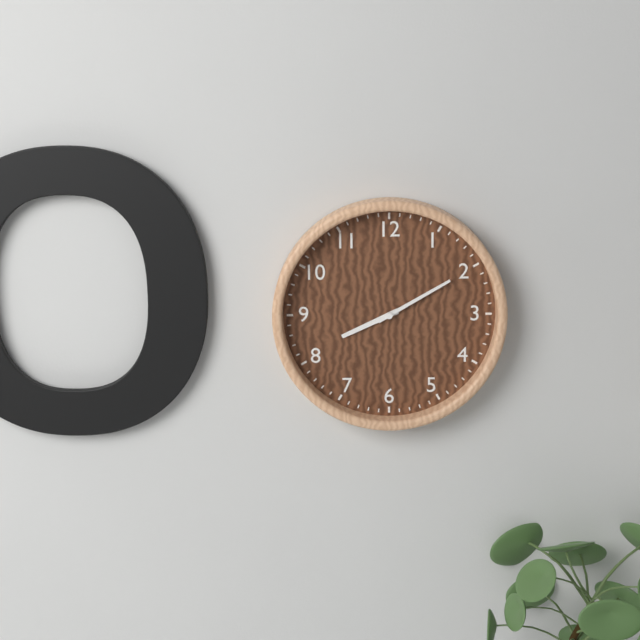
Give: 8:10
